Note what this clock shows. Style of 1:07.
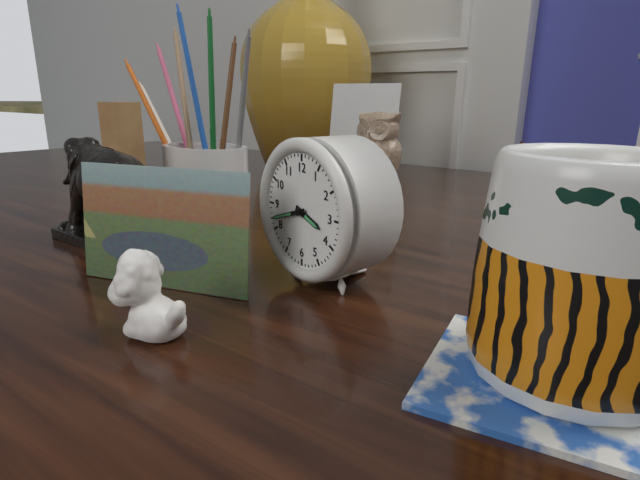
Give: 3:42
